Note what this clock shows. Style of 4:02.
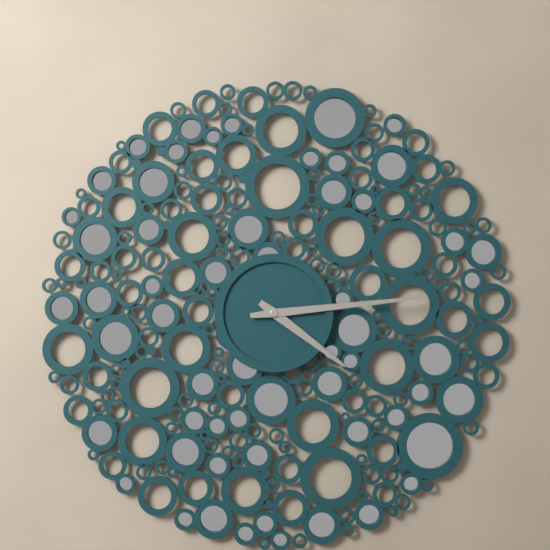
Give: 4:14
